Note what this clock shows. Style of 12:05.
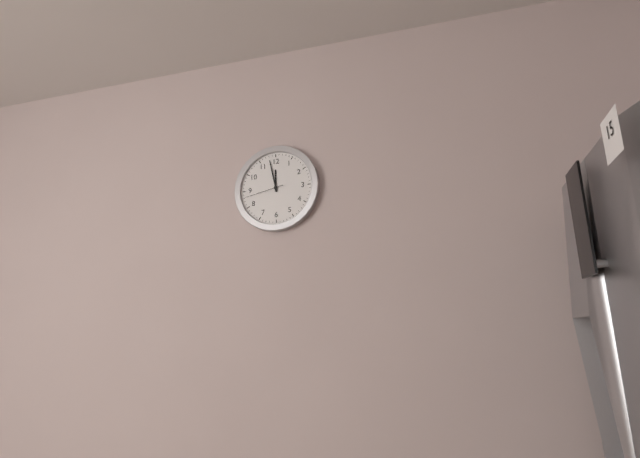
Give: 11:58
